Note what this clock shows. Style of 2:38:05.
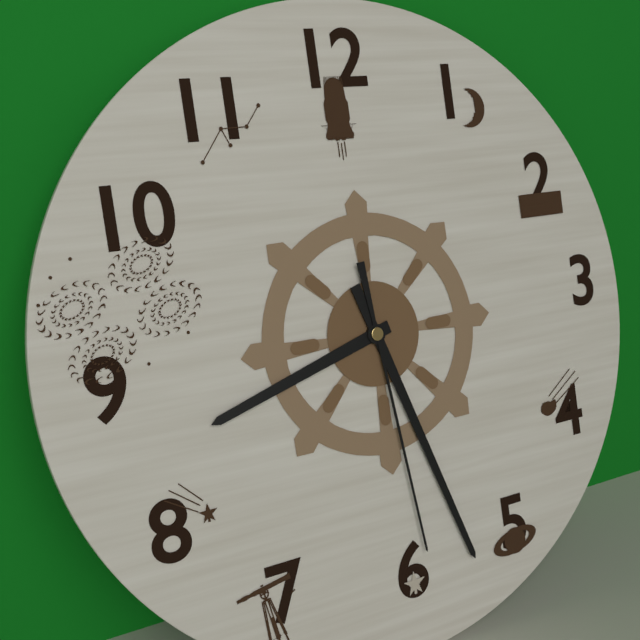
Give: 8:27:29
